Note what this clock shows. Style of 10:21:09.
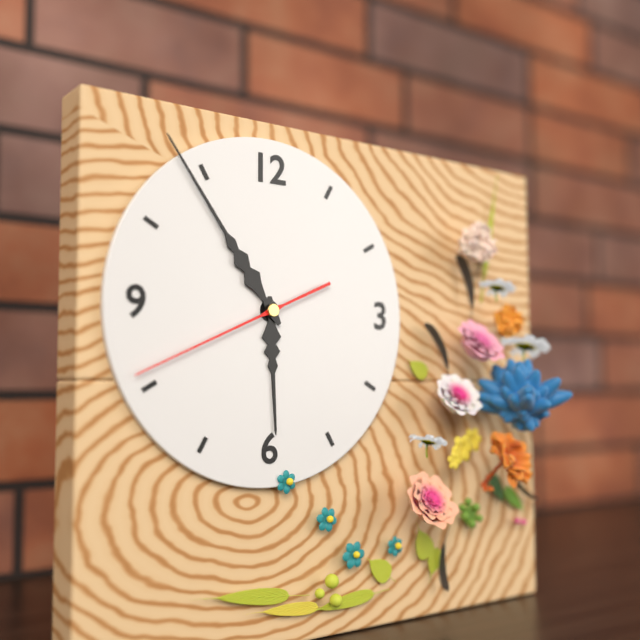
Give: 5:54:41
